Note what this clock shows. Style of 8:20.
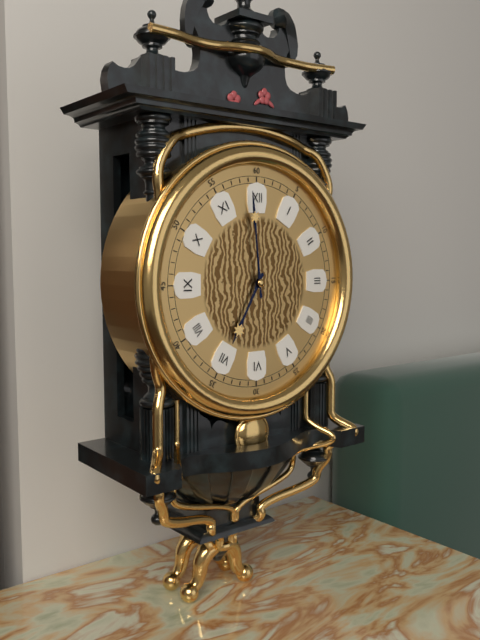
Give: 6:59
